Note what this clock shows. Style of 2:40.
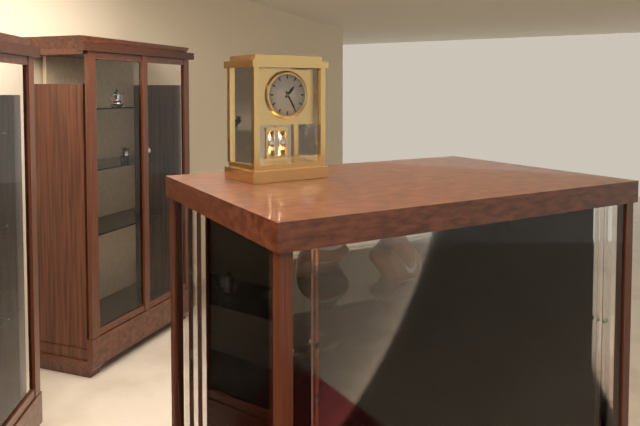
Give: 1:25
